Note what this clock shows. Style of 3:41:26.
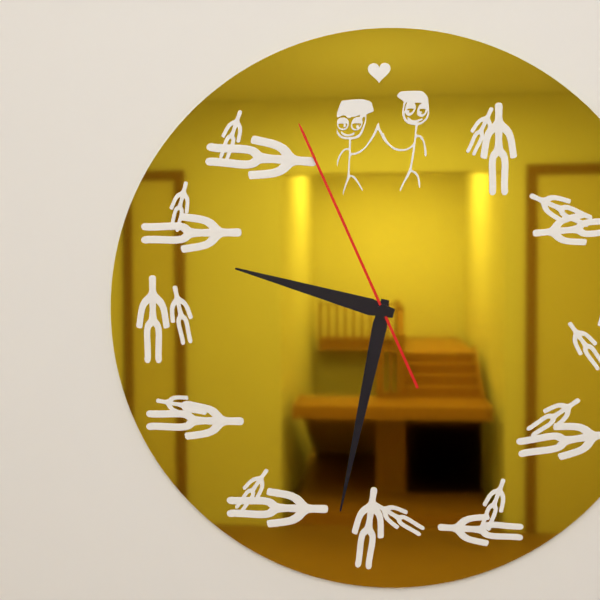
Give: 9:32:56
